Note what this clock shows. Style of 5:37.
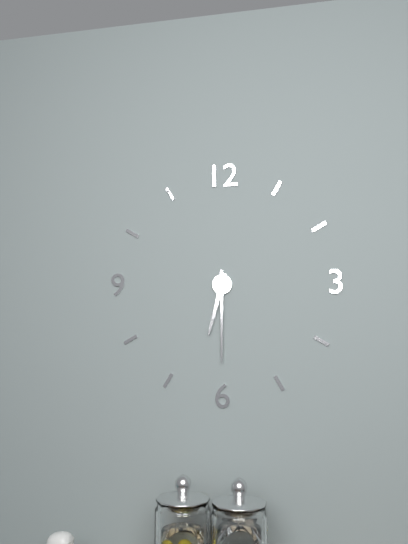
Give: 6:30
